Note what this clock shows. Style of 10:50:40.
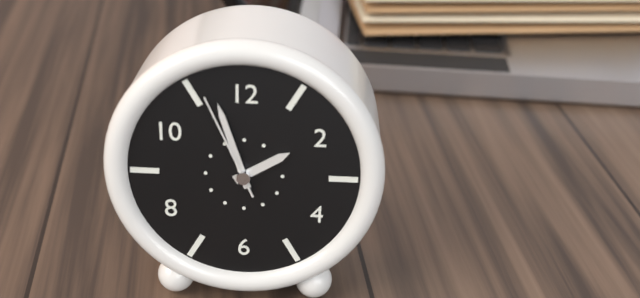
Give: 1:57:56
